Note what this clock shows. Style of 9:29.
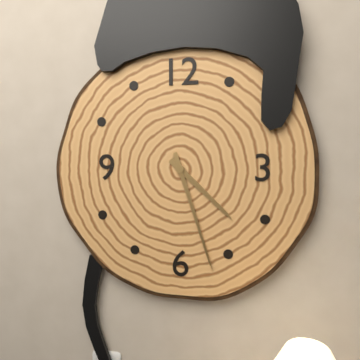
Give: 4:27
